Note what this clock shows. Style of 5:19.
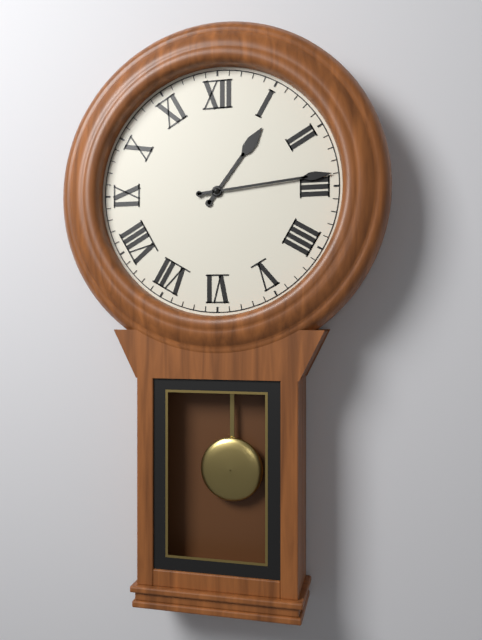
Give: 1:14
